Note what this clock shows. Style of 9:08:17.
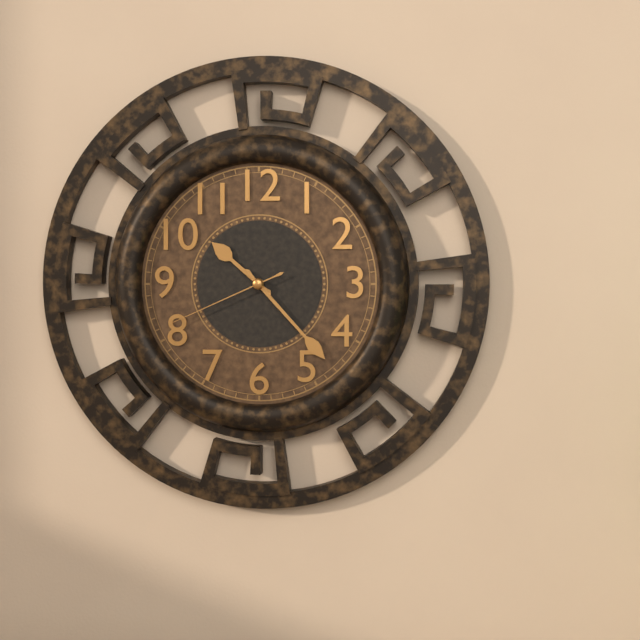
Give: 10:23:41
